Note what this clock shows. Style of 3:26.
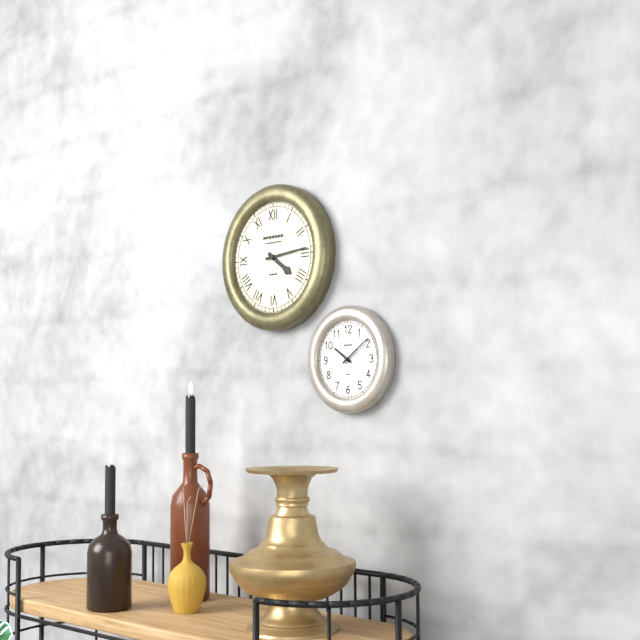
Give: 4:14
